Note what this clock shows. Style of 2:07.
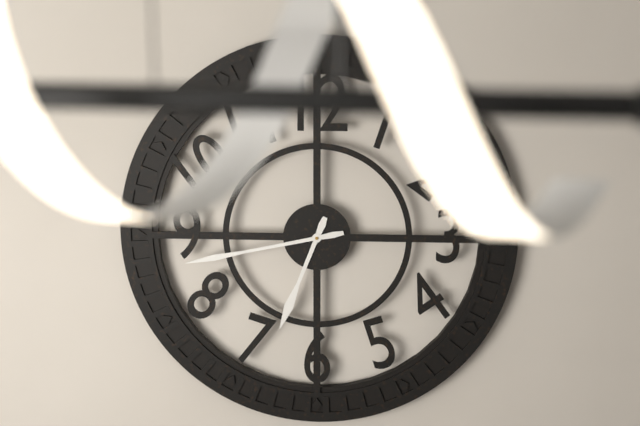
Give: 6:43
